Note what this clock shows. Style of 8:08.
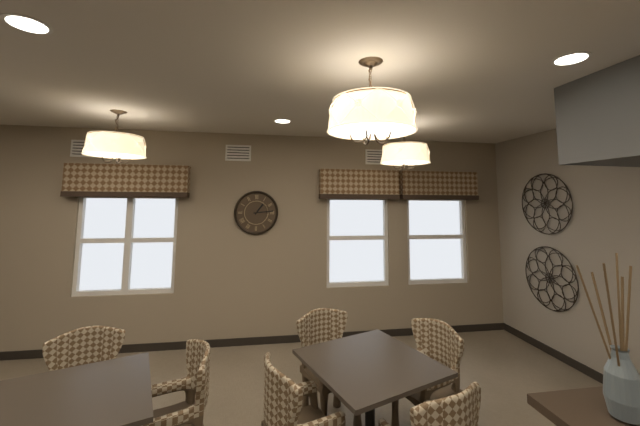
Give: 1:14
